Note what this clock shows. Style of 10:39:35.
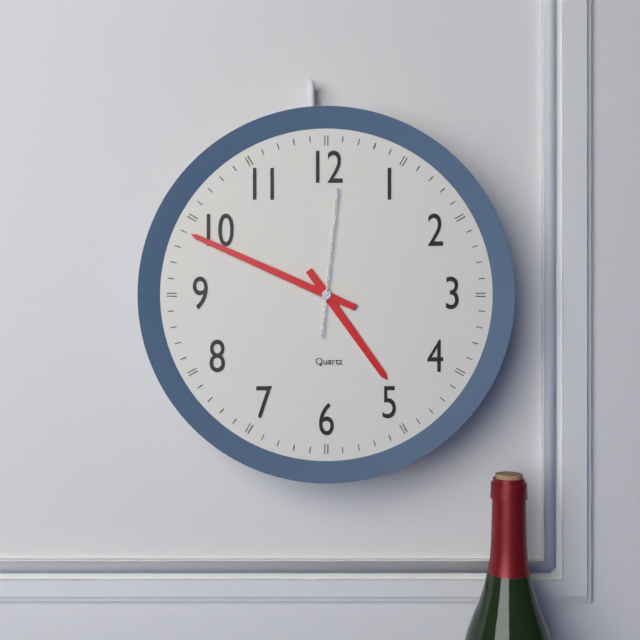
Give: 4:49:01
